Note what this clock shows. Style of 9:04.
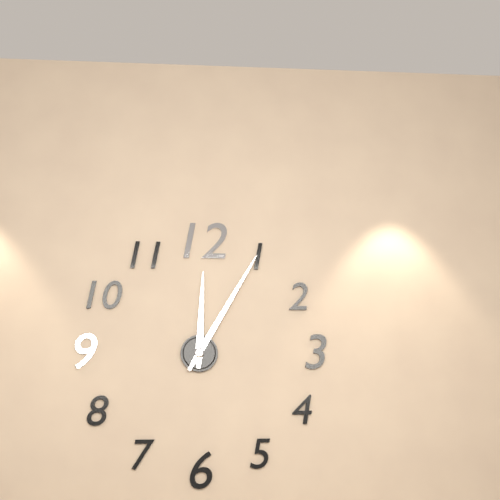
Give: 12:05
